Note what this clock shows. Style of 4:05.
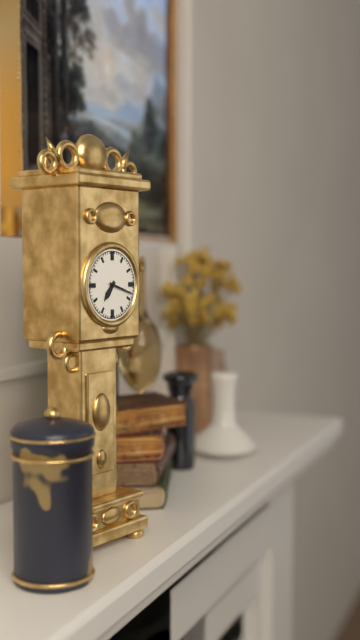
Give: 7:18
